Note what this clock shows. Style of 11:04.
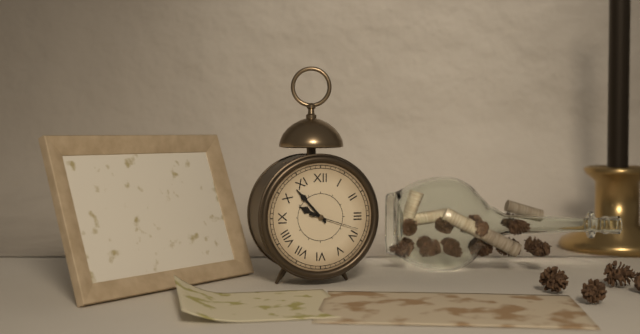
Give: 9:53
